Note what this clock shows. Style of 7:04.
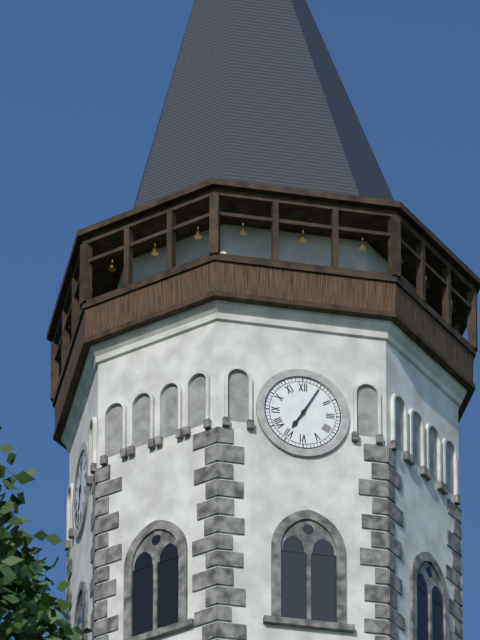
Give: 7:05
